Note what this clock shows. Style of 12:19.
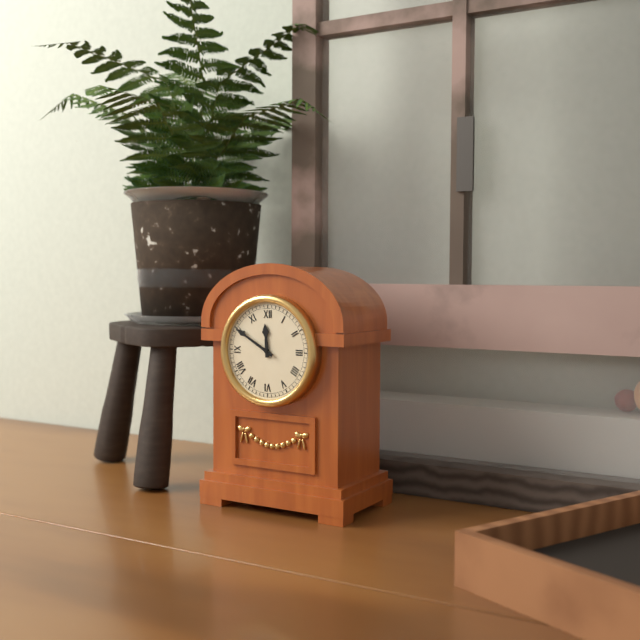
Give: 11:50
